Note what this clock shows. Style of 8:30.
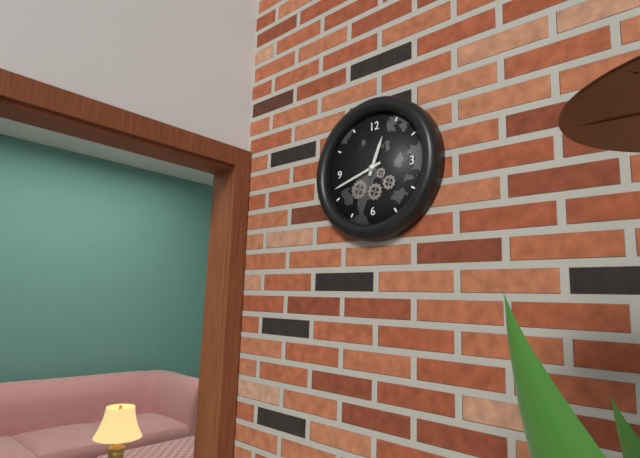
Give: 12:42
